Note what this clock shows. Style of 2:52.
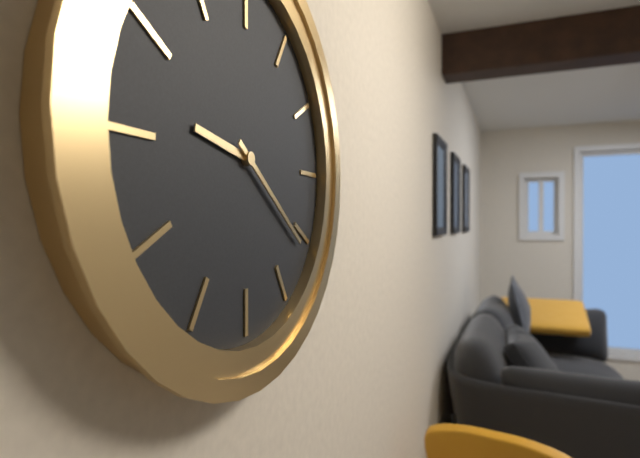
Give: 9:21
